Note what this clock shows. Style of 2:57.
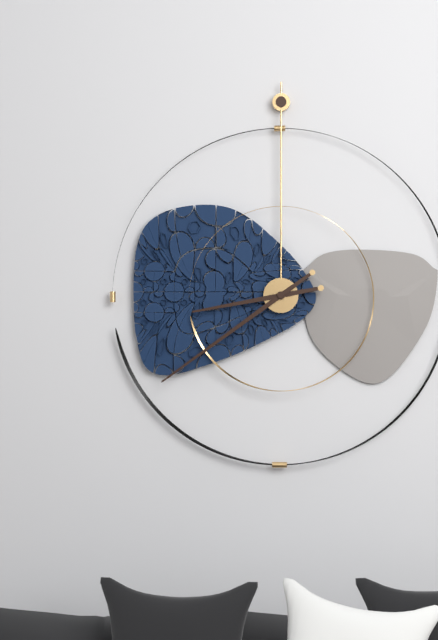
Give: 8:39
